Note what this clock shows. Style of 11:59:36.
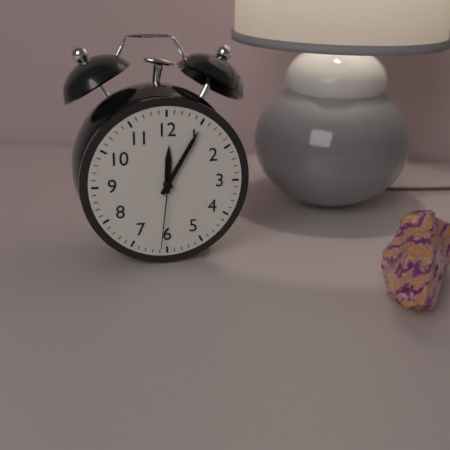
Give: 12:05:31
